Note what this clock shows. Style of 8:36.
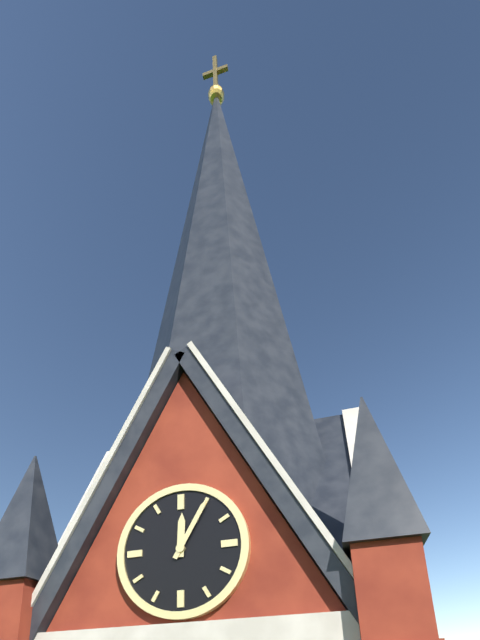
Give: 12:05
